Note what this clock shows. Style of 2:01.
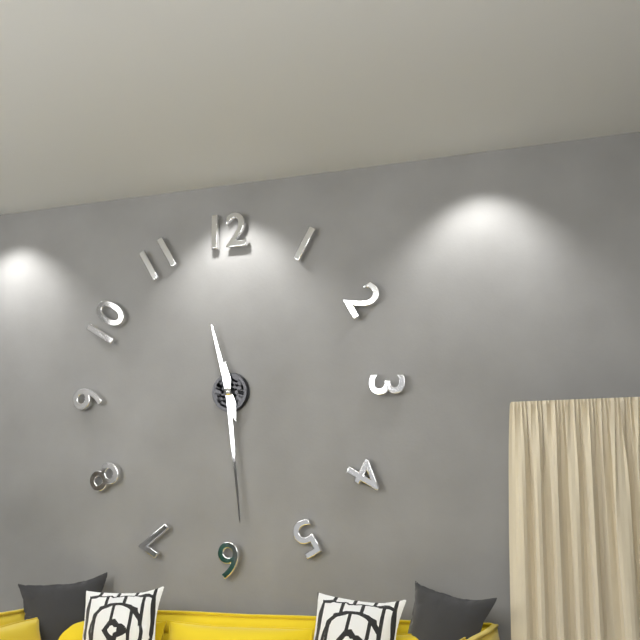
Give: 11:29
